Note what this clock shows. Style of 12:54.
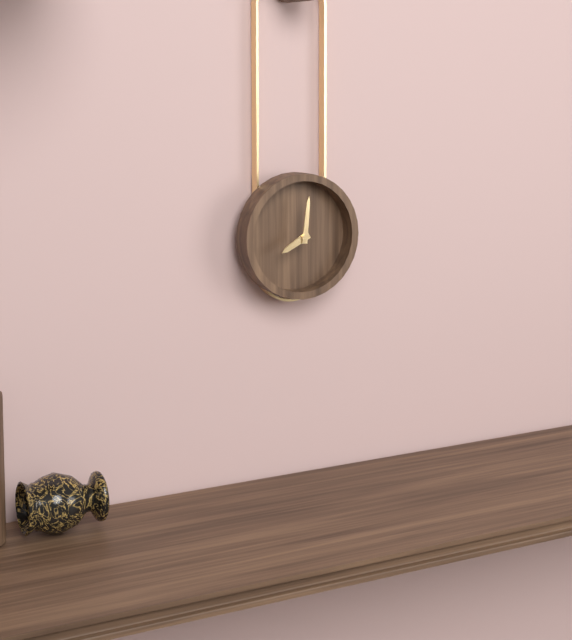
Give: 8:01
